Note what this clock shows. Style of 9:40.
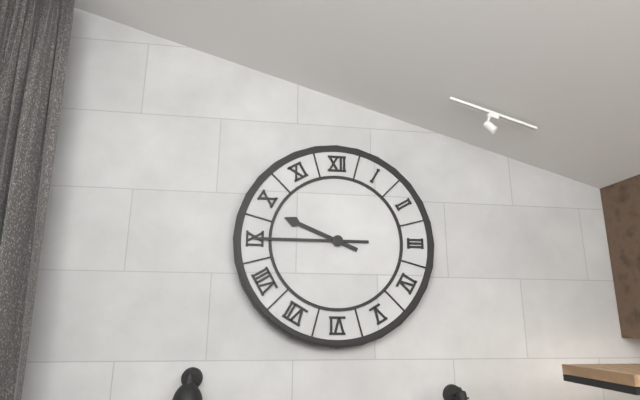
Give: 9:45
